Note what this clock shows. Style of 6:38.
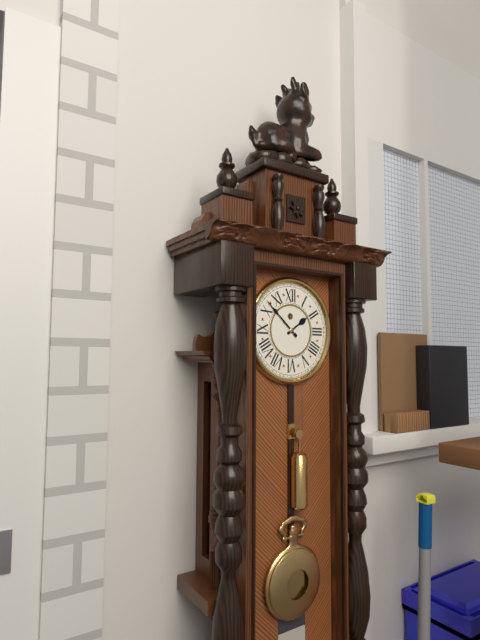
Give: 1:52
